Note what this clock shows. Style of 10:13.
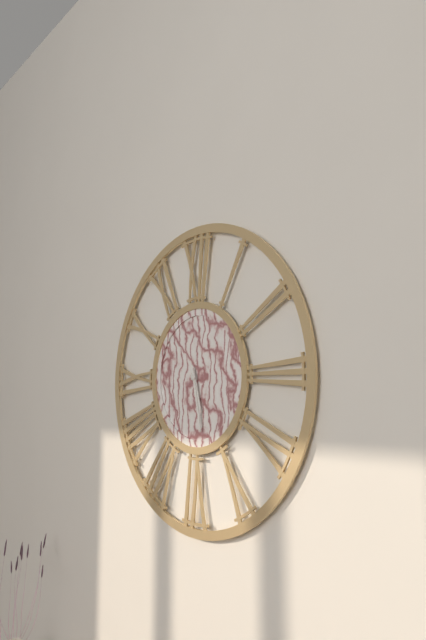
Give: 5:28
